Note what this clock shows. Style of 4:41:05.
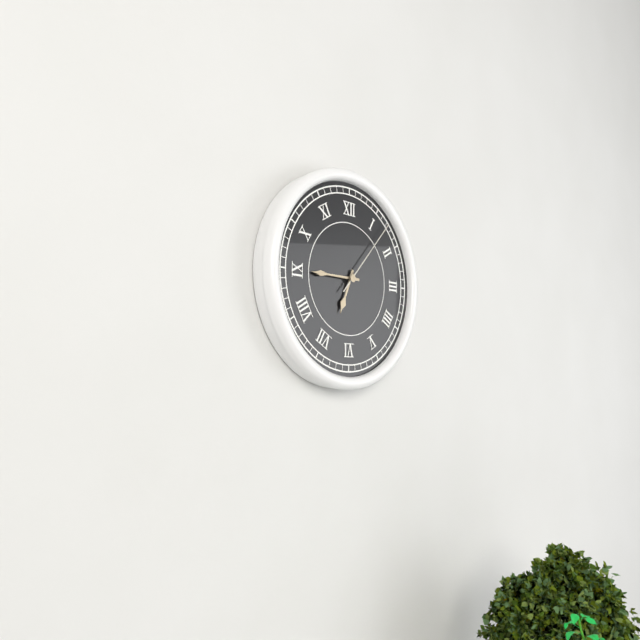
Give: 6:45:07
